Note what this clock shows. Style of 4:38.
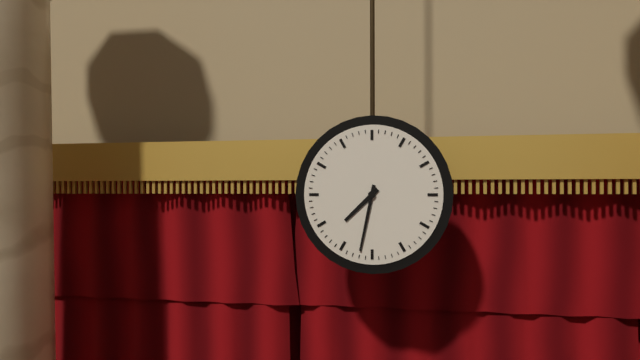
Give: 7:32
